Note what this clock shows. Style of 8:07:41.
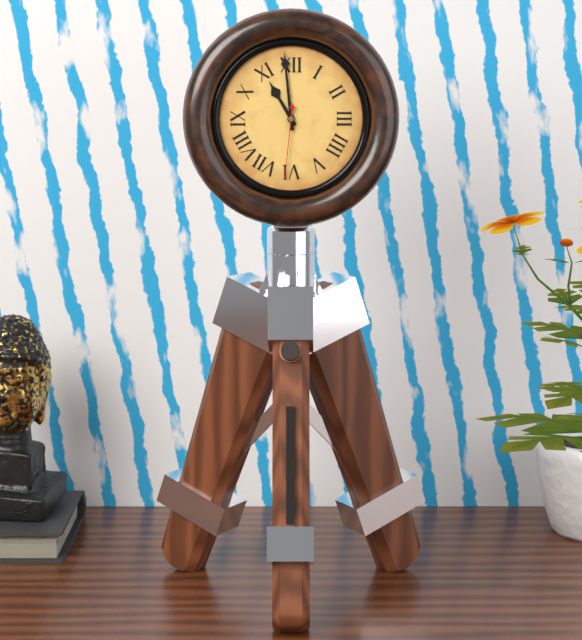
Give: 10:59:31
